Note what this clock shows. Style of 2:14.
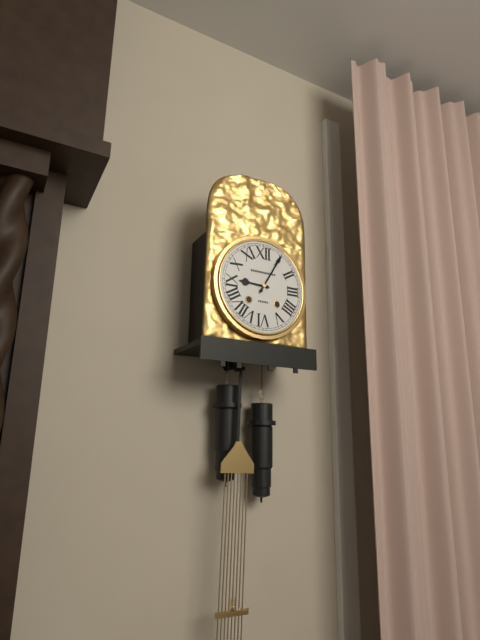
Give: 9:05
